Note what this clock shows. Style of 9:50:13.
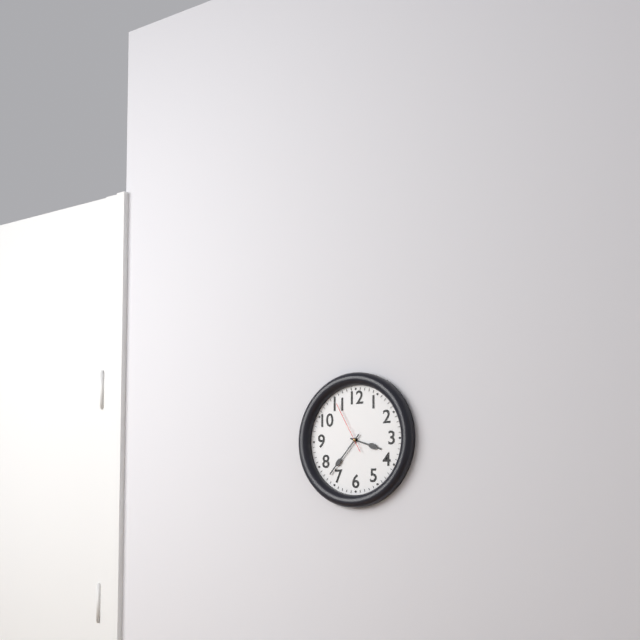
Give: 3:37:55
